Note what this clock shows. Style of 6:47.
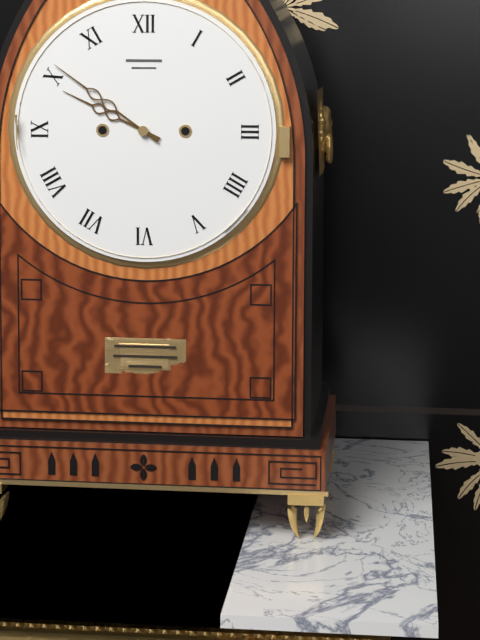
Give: 9:51
